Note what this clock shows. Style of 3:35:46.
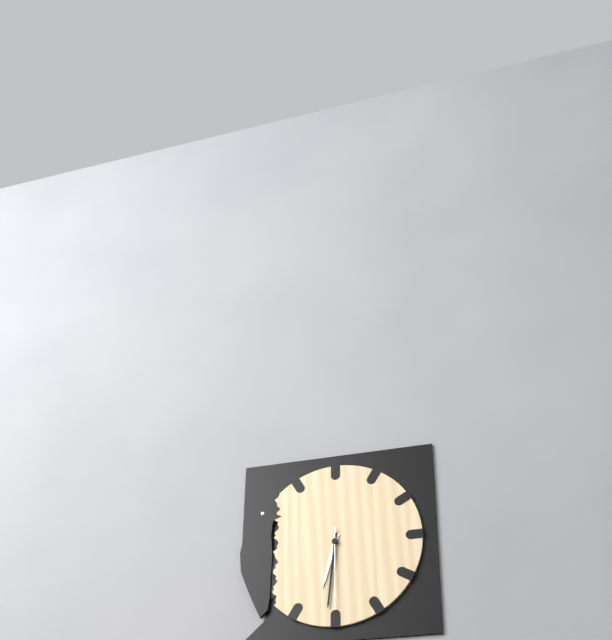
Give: 6:31:30
